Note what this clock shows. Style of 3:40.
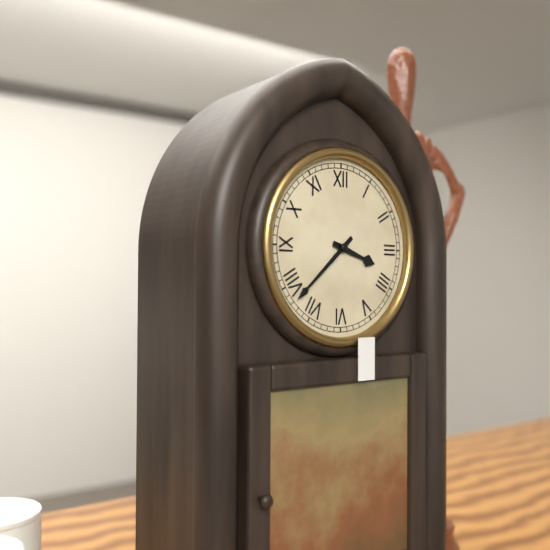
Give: 3:38
